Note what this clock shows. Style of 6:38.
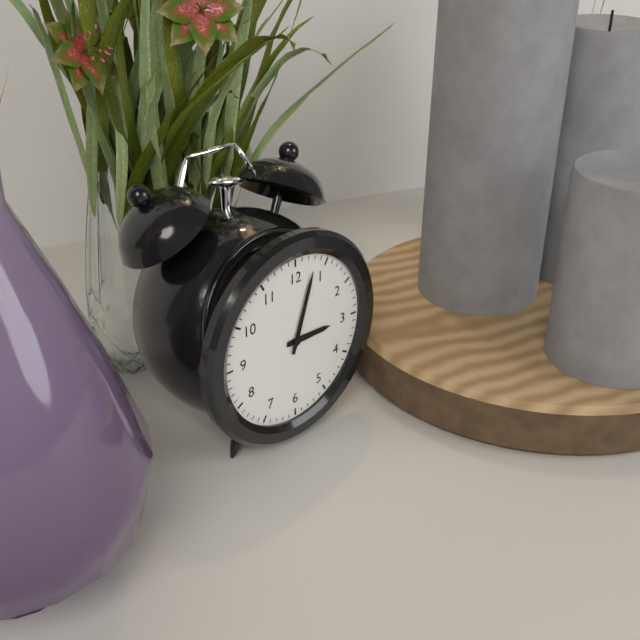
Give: 3:03
